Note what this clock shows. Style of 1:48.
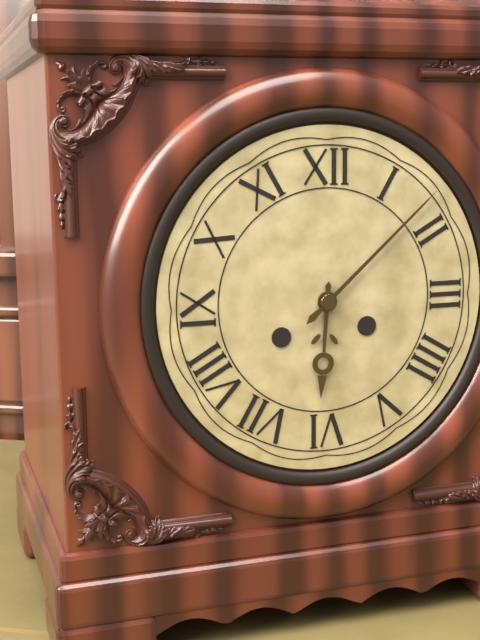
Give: 6:08
